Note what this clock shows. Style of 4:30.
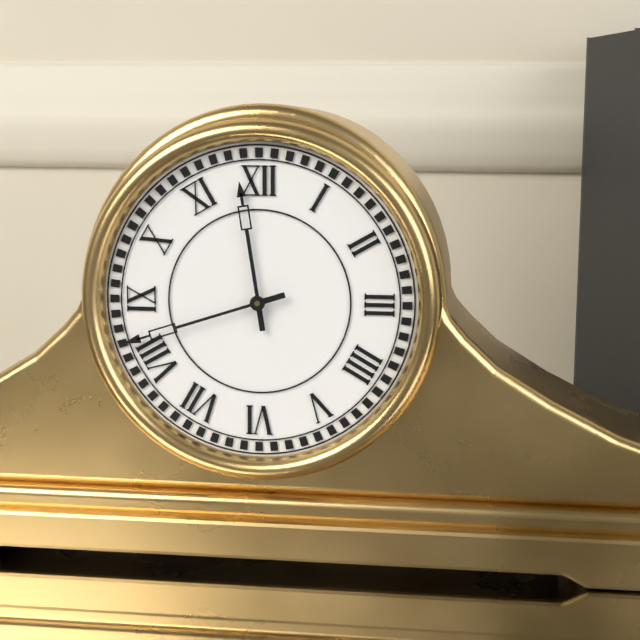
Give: 11:42
